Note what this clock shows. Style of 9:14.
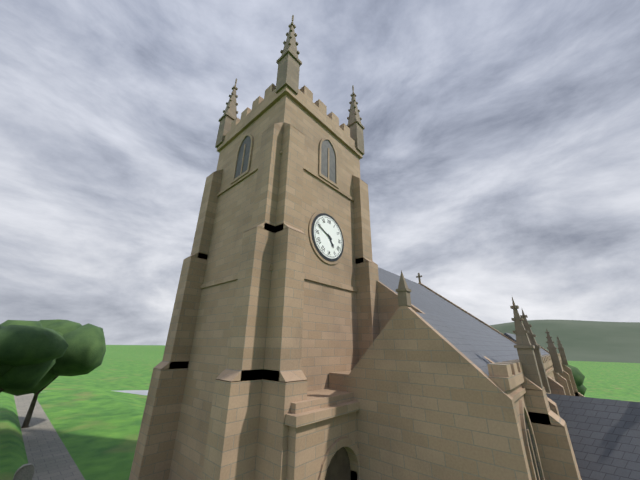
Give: 4:49
